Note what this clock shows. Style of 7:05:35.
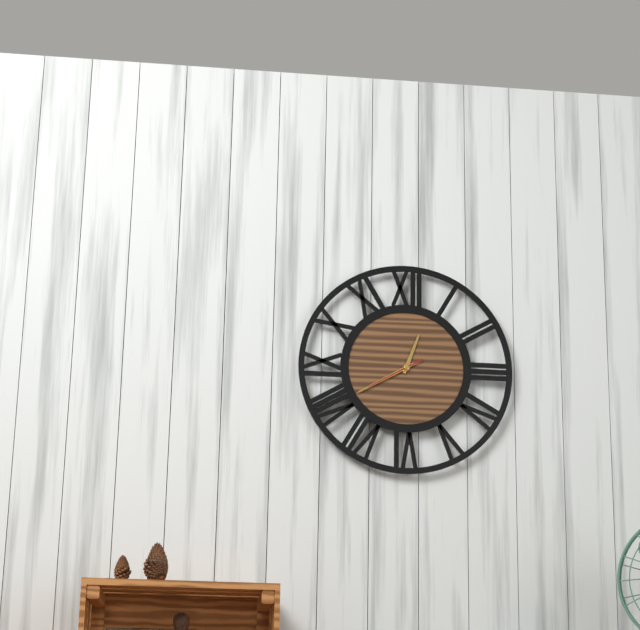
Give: 12:40:40
